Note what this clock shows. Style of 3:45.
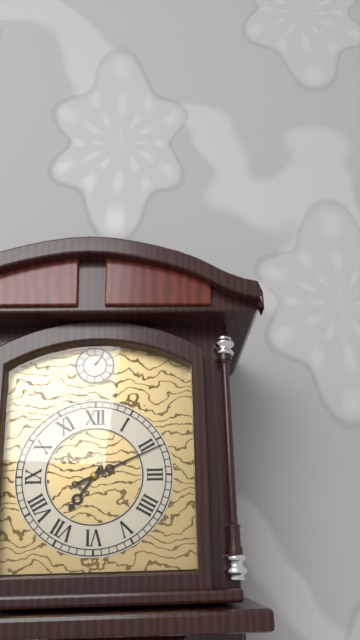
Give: 7:11
